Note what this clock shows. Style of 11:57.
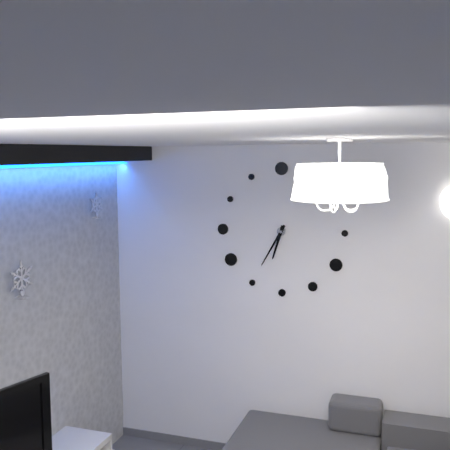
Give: 6:35
